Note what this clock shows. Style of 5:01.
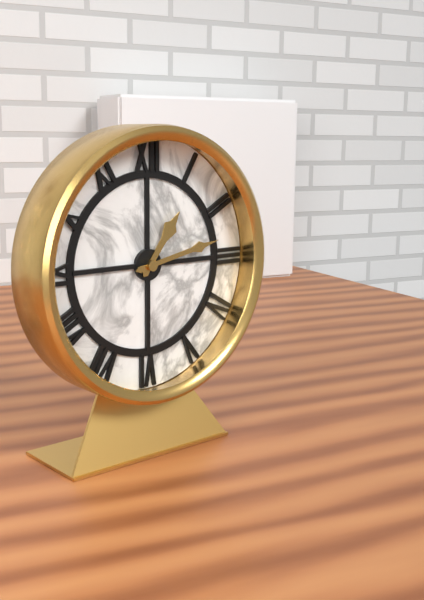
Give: 1:13
